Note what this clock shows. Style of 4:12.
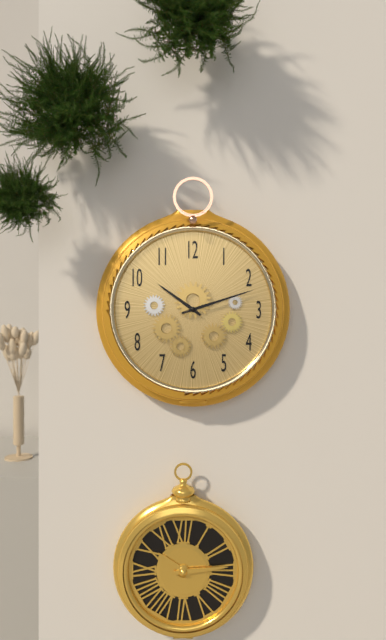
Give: 10:12
